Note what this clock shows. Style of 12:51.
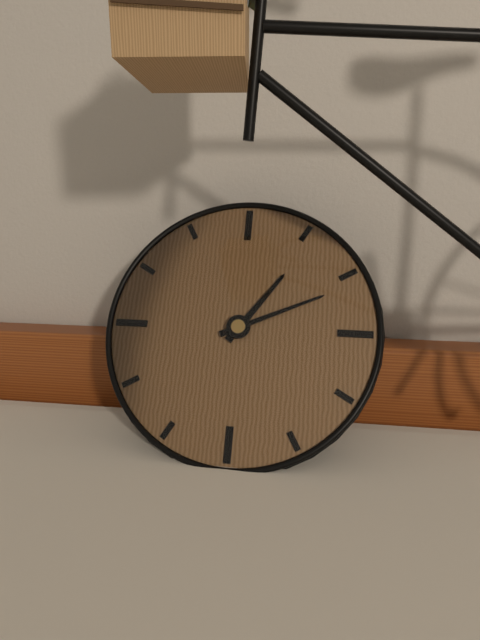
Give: 1:11
